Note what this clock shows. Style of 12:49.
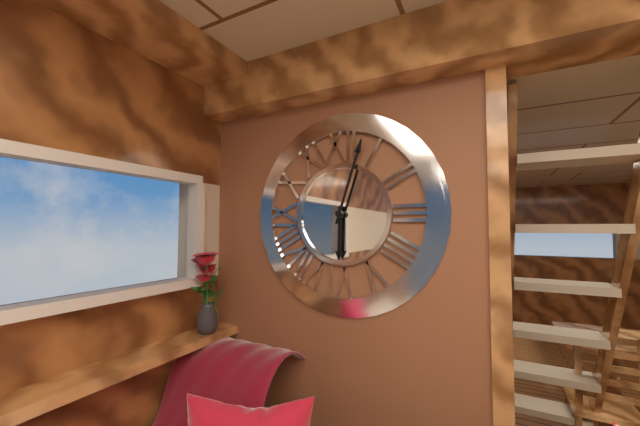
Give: 6:03
